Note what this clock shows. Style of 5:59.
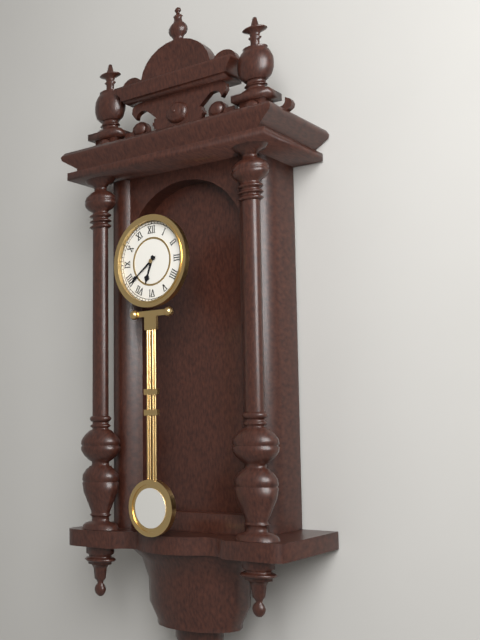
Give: 6:39
